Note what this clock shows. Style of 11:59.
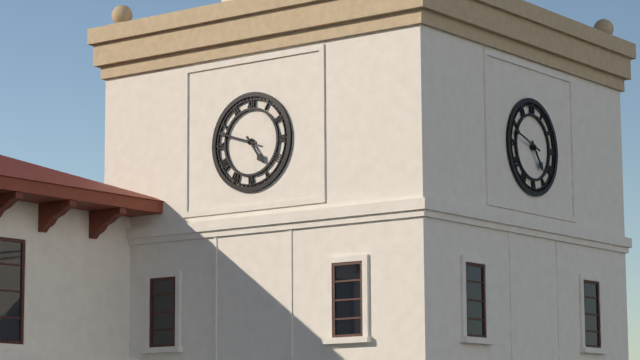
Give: 4:48
